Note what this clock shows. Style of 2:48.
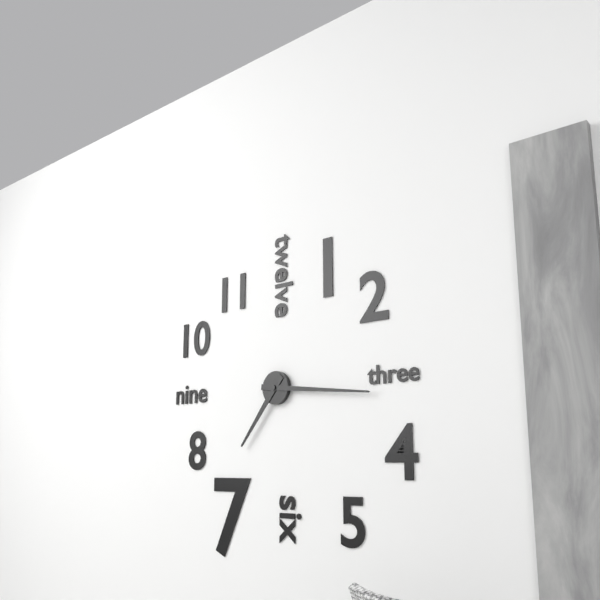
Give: 7:16
